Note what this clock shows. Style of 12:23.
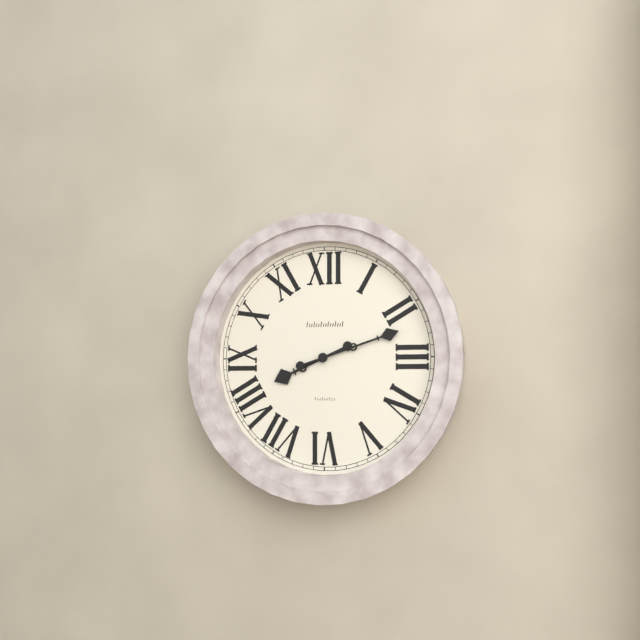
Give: 8:12
